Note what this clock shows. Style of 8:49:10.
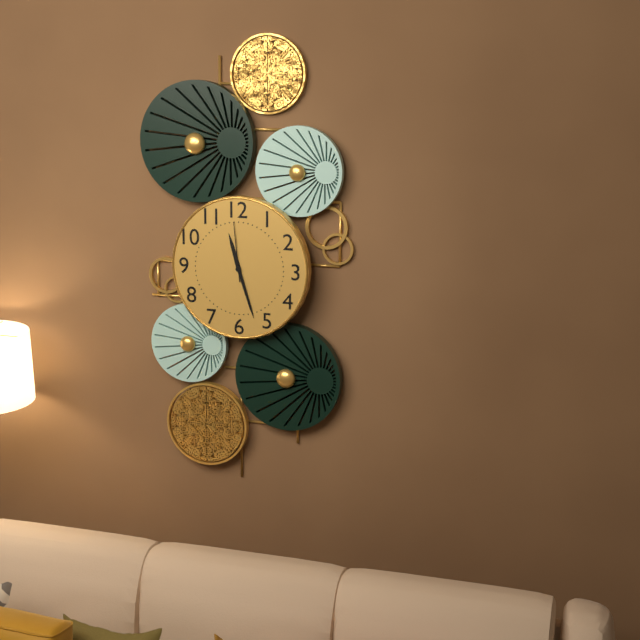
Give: 11:27:59
